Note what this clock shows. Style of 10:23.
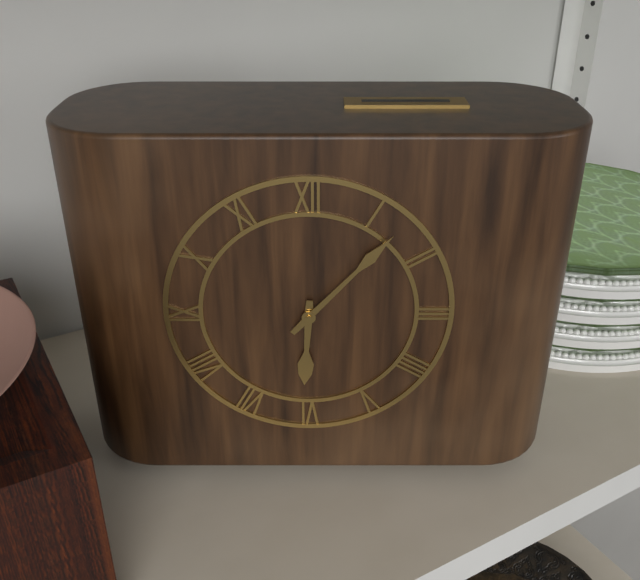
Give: 6:07
